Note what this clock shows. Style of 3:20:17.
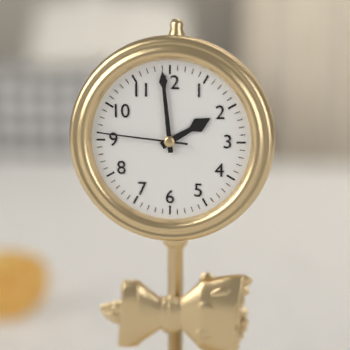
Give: 1:59:46
